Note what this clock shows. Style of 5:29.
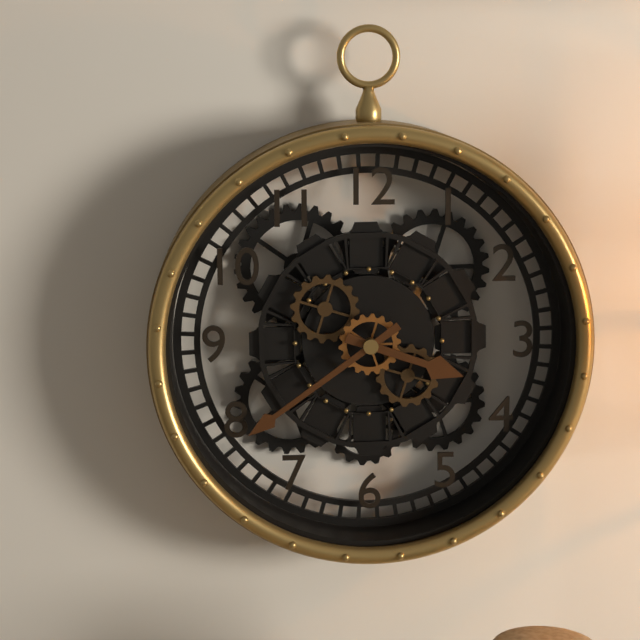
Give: 3:39
